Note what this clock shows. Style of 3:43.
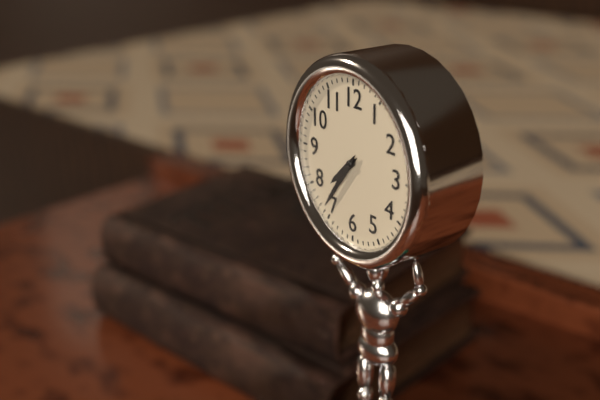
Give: 7:36
